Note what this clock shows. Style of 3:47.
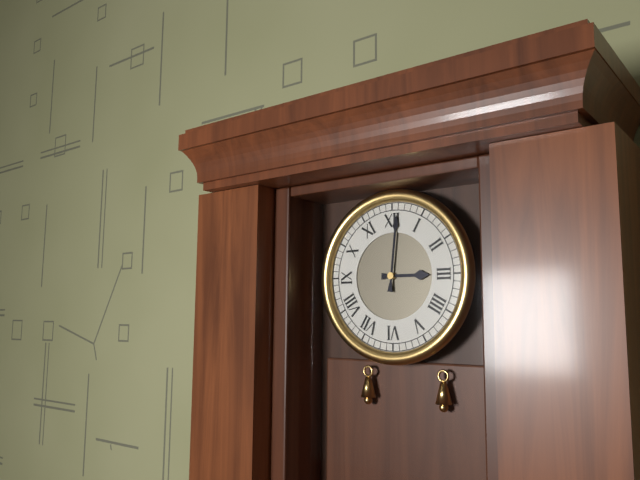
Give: 3:01
